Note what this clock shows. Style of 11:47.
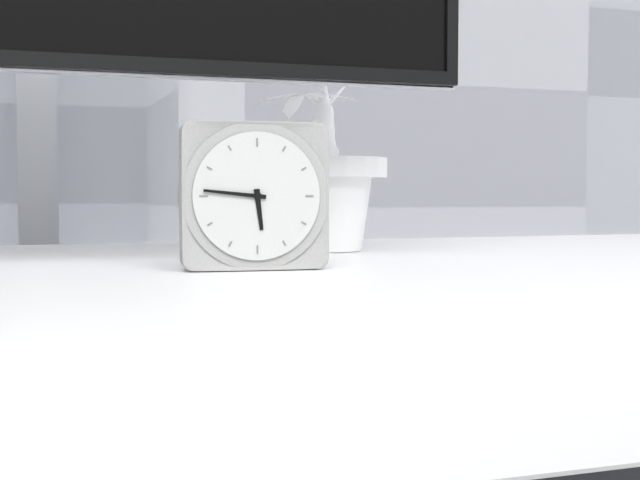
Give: 5:46
